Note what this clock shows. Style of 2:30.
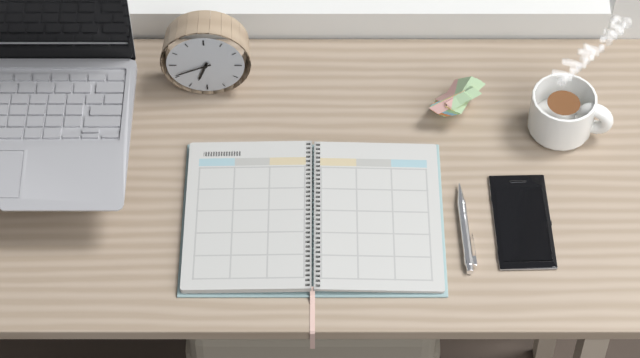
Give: 6:41
